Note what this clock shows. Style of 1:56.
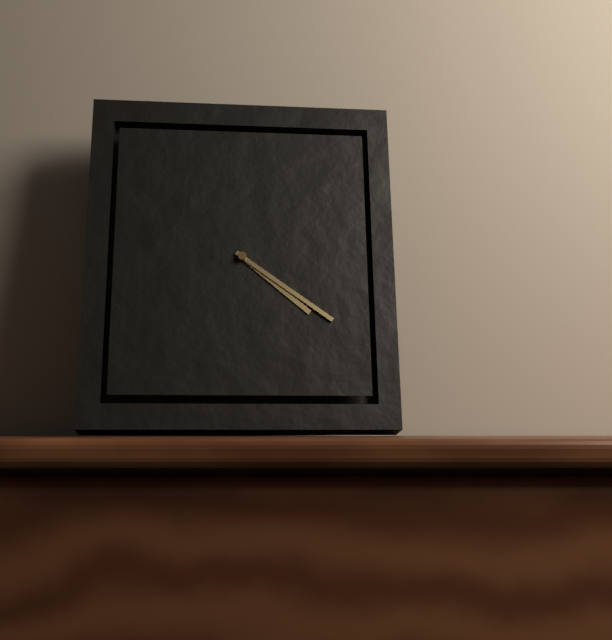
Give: 4:21
